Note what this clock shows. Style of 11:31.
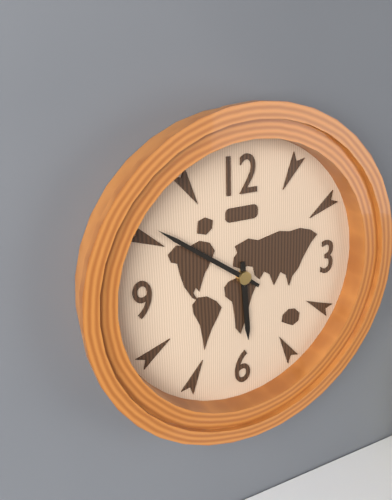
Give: 5:51
